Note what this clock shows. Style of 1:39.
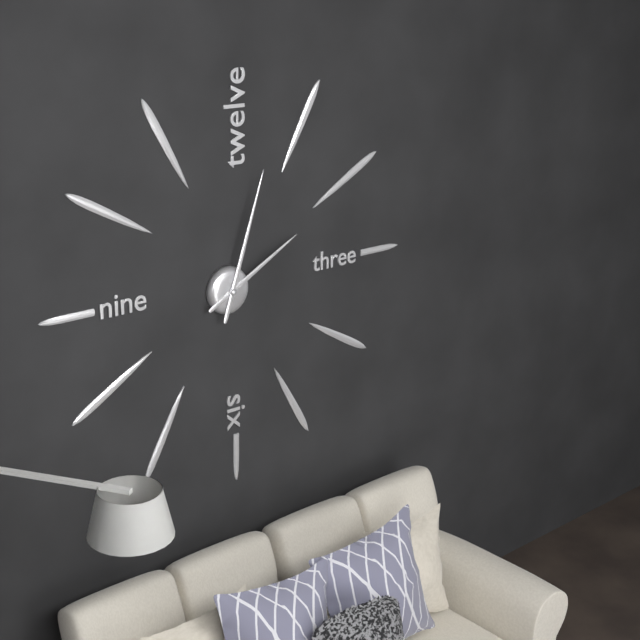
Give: 2:03
